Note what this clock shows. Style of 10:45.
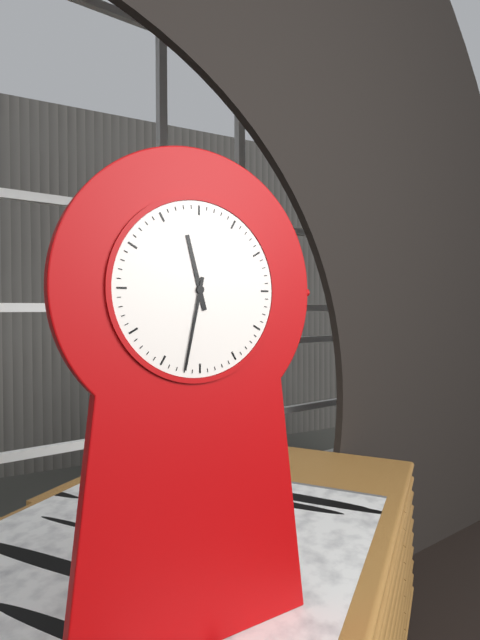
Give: 11:32
